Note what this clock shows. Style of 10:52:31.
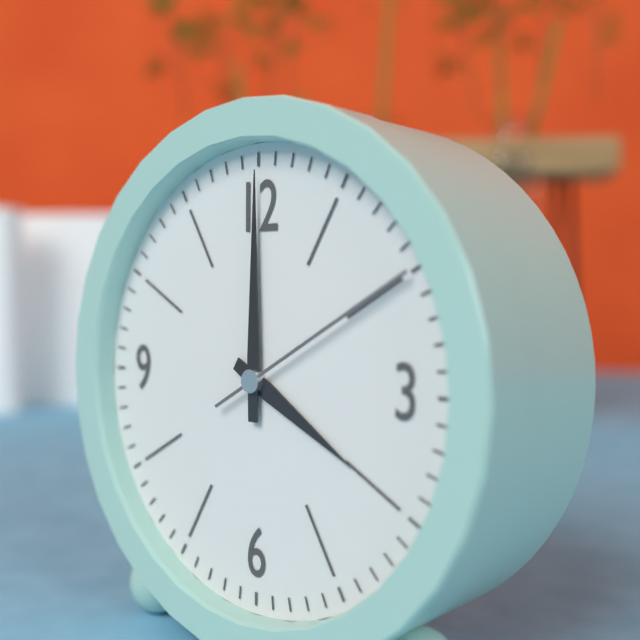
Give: 4:00:10
